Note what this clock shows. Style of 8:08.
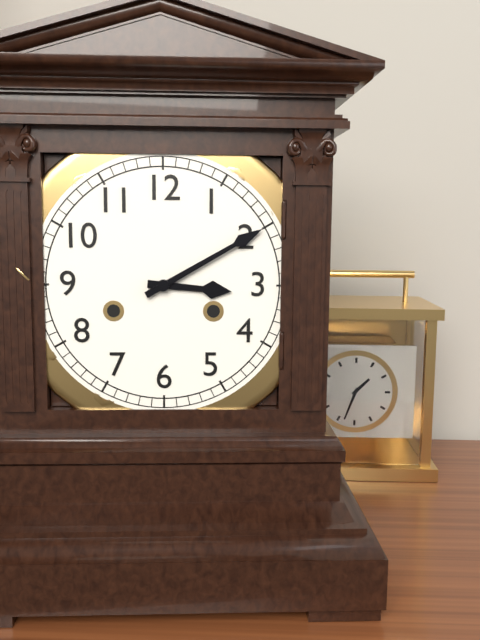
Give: 3:10
